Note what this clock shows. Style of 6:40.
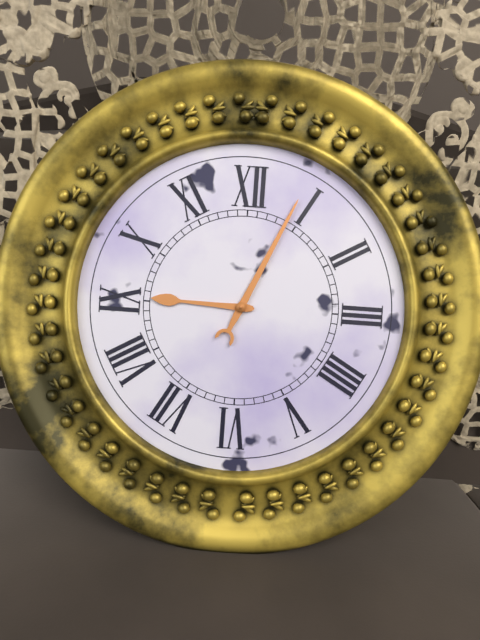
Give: 9:04
